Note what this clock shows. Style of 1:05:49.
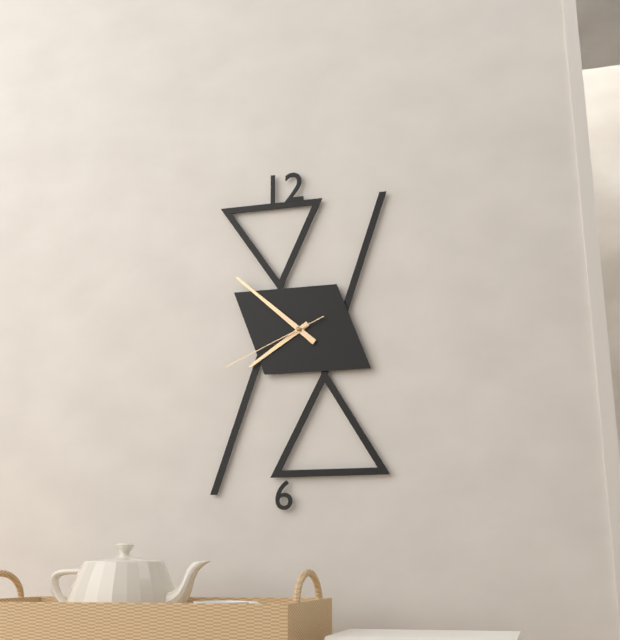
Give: 7:52:41
